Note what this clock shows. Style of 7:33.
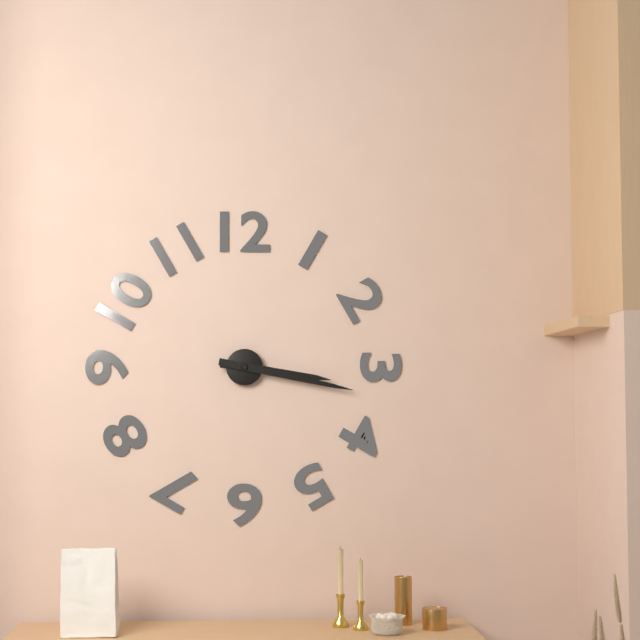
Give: 3:17
